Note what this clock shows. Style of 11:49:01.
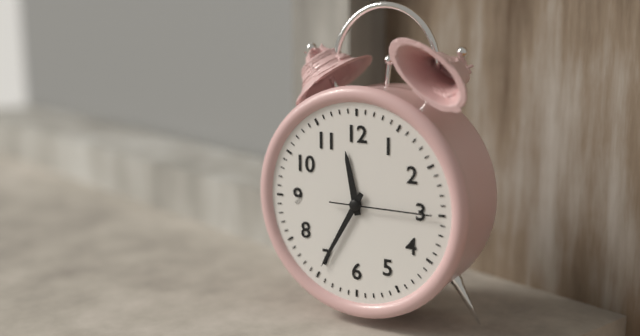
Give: 11:35:15
